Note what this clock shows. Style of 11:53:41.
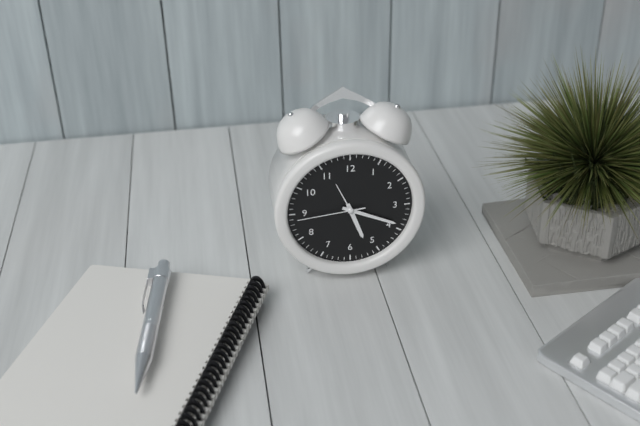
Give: 5:19:44
